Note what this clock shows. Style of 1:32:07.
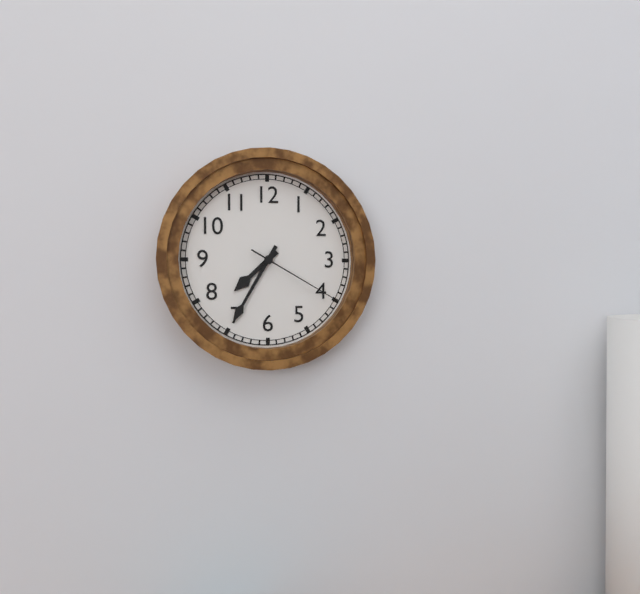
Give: 7:35:20
